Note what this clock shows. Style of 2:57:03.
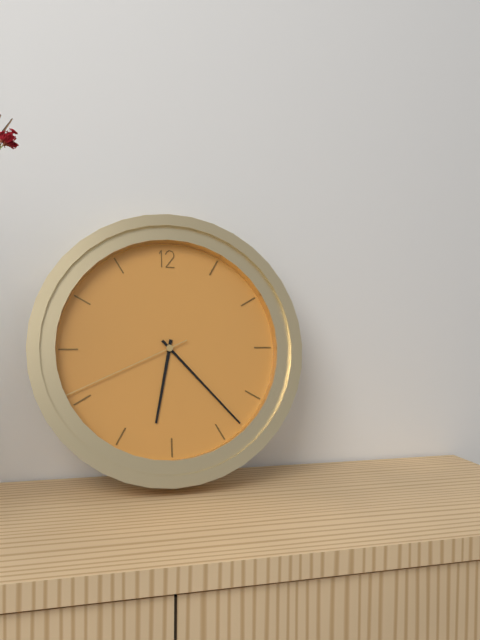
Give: 6:23:41
